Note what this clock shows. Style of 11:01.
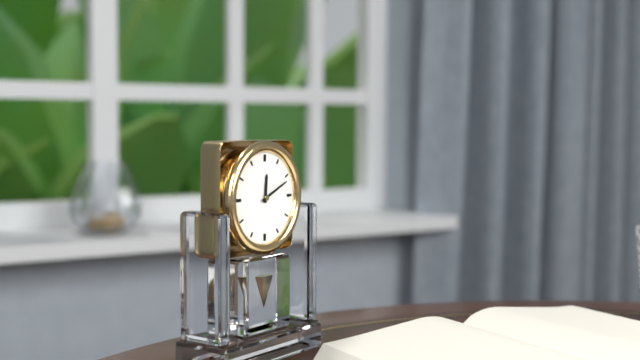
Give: 12:11
